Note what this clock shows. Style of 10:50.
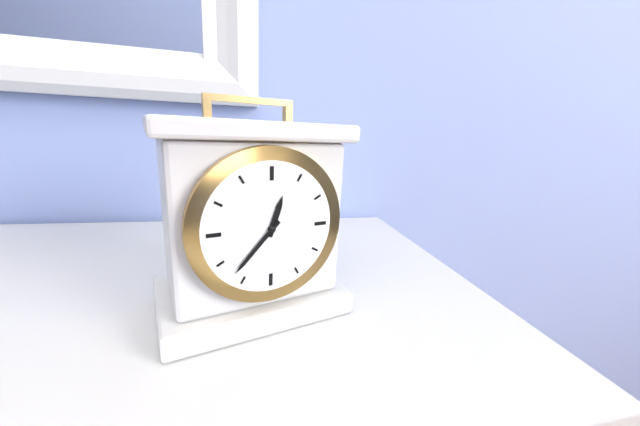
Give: 12:37
